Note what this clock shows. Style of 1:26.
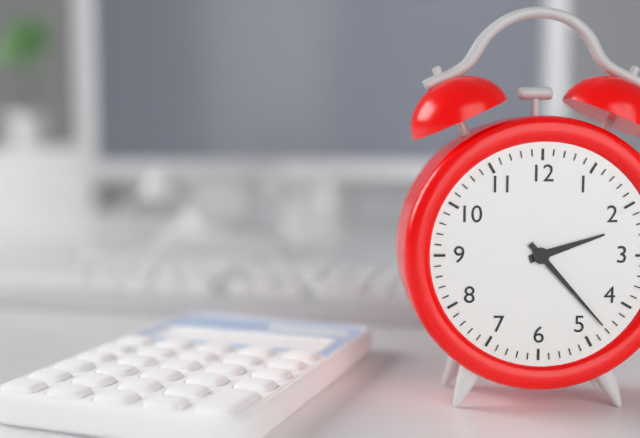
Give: 2:23
